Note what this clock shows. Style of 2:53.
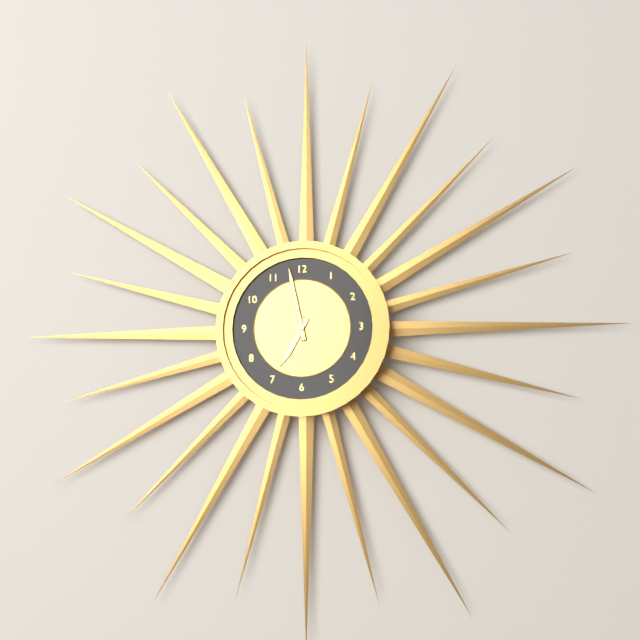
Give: 6:58
